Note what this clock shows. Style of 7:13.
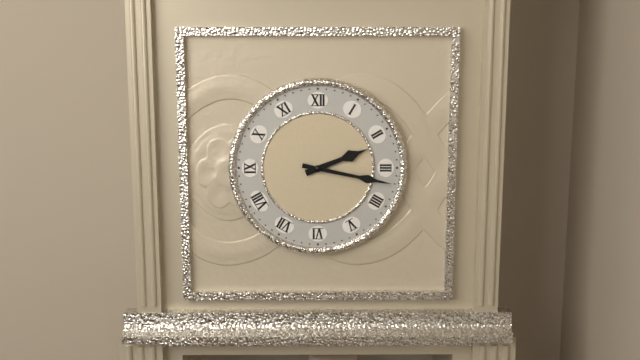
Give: 2:17
